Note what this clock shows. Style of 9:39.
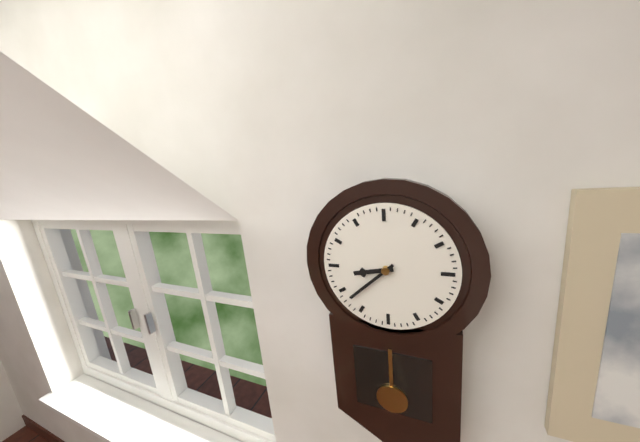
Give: 8:38
